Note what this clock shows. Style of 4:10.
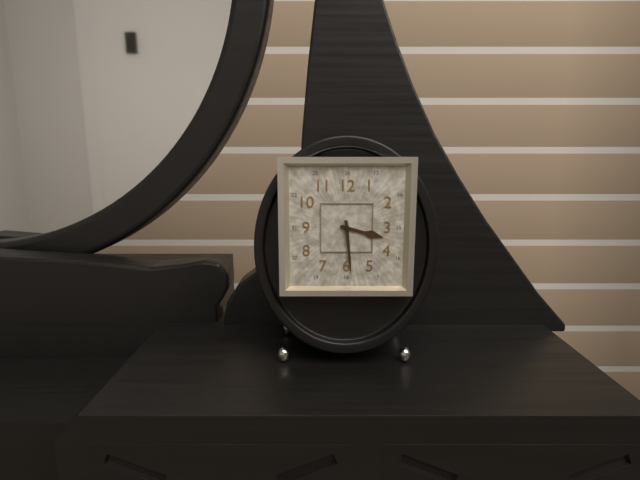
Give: 3:29
